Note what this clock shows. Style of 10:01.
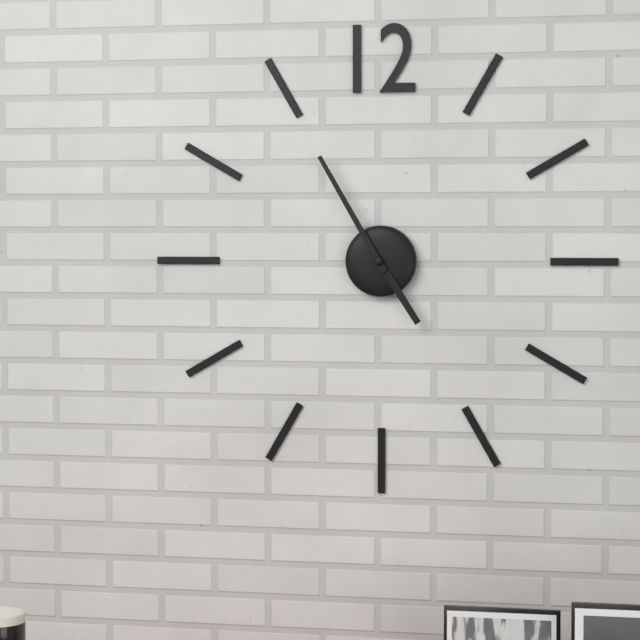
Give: 4:55
